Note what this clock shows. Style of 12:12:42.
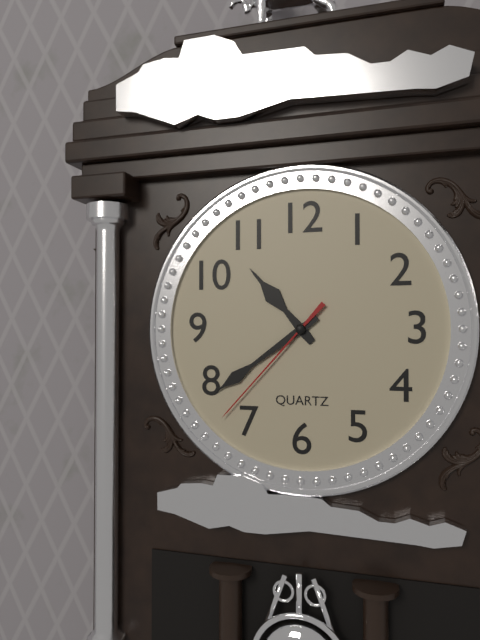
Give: 10:39:37
